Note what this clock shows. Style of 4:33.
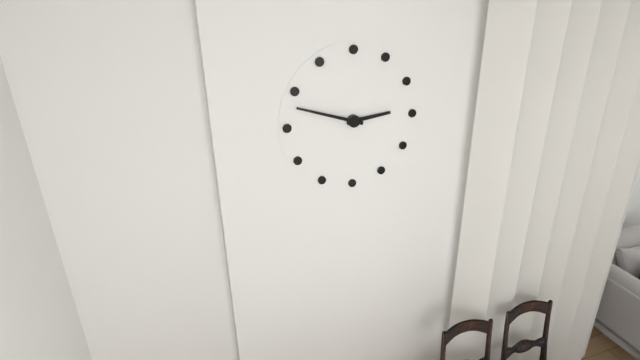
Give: 2:48
